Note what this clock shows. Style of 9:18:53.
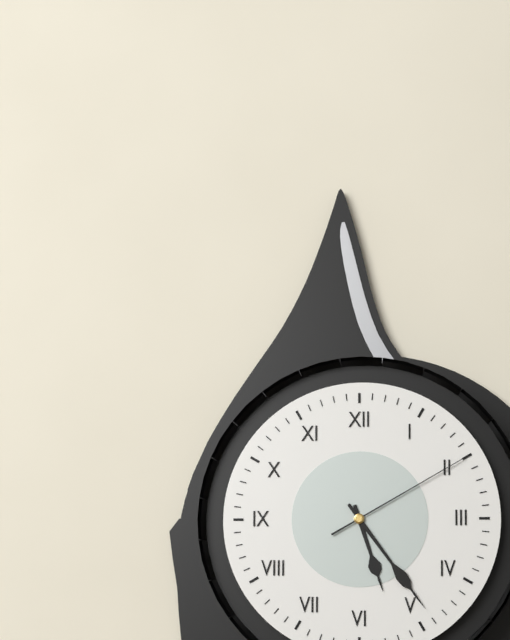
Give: 5:24:10
